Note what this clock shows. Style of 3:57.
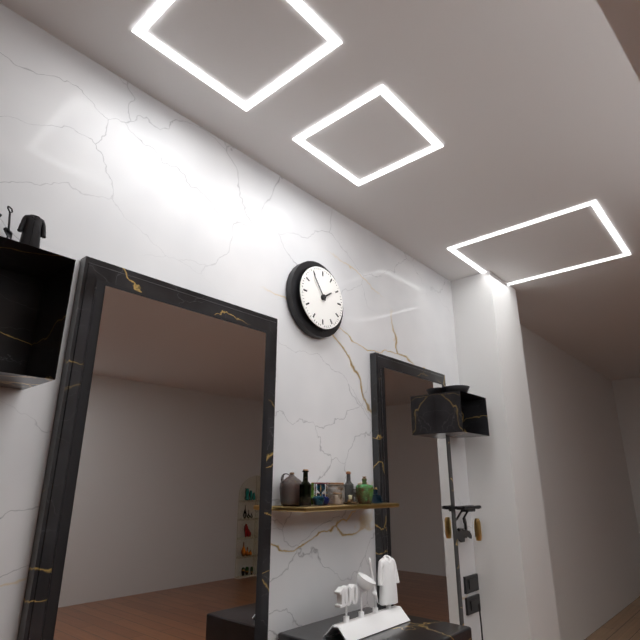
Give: 1:54
